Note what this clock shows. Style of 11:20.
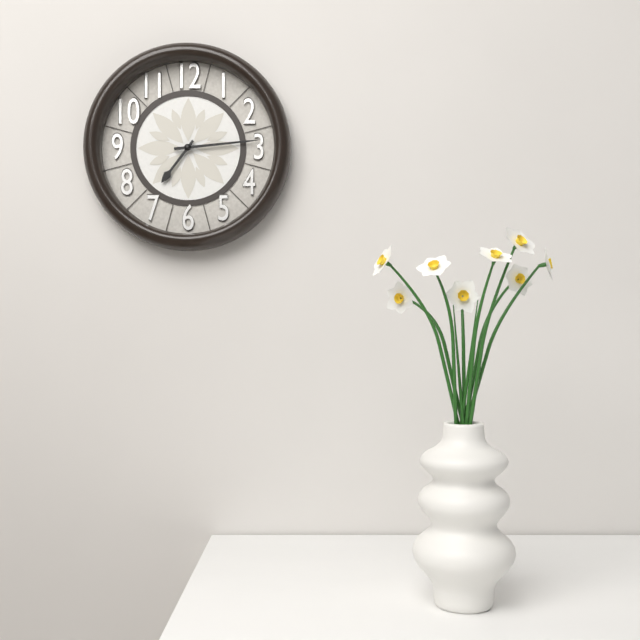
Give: 7:14
